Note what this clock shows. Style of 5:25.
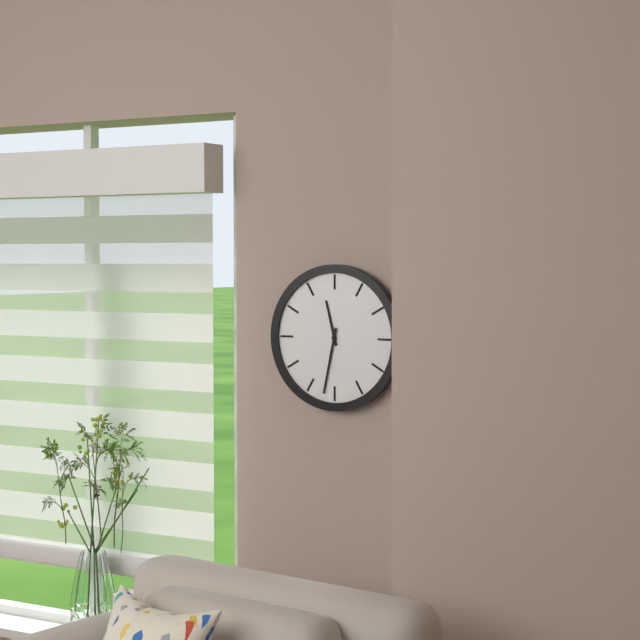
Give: 11:32
